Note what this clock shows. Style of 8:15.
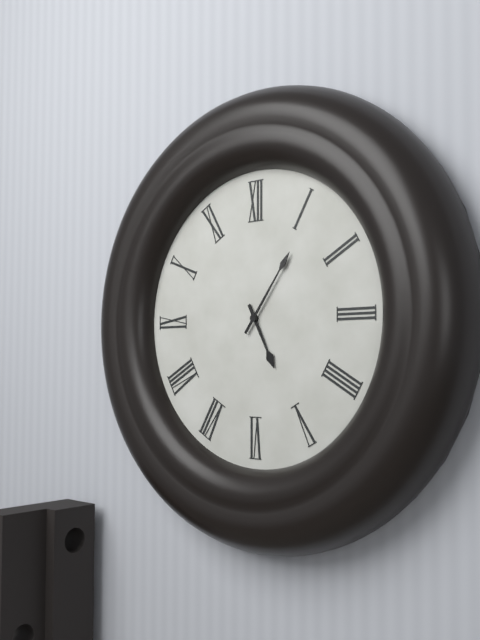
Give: 5:06
